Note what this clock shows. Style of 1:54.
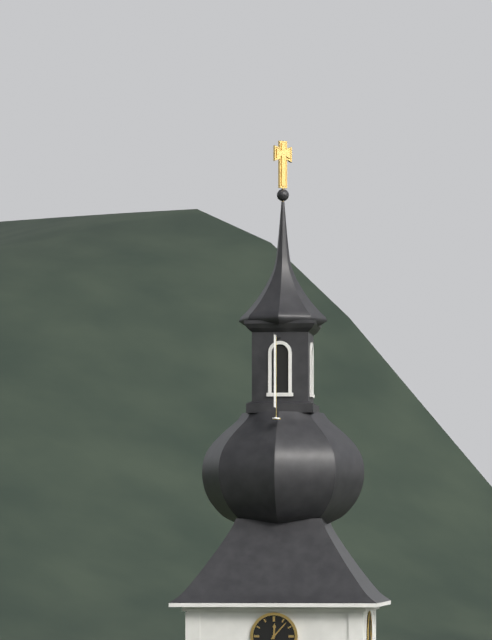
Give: 12:07
